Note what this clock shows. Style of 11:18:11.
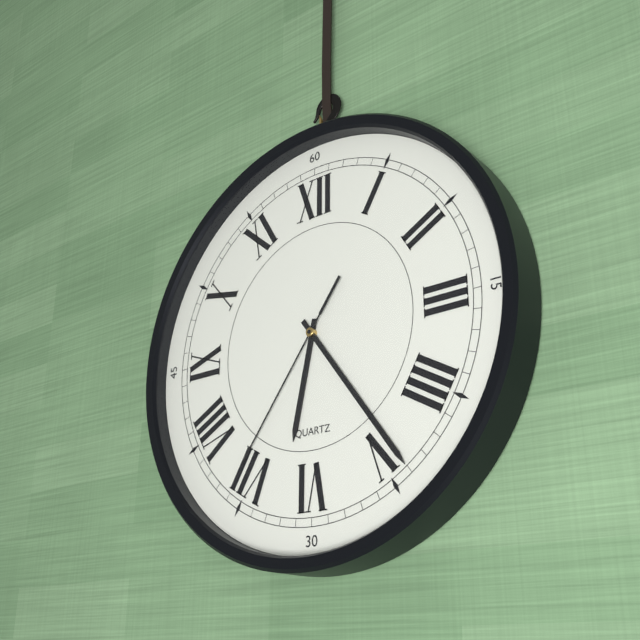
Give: 6:24:36
